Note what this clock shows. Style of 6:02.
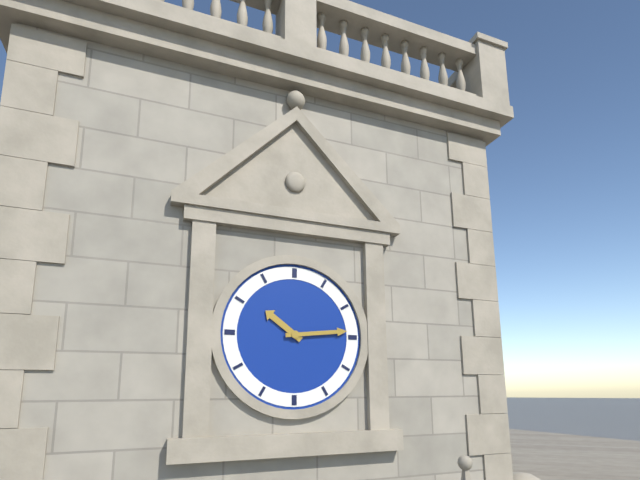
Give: 10:14
